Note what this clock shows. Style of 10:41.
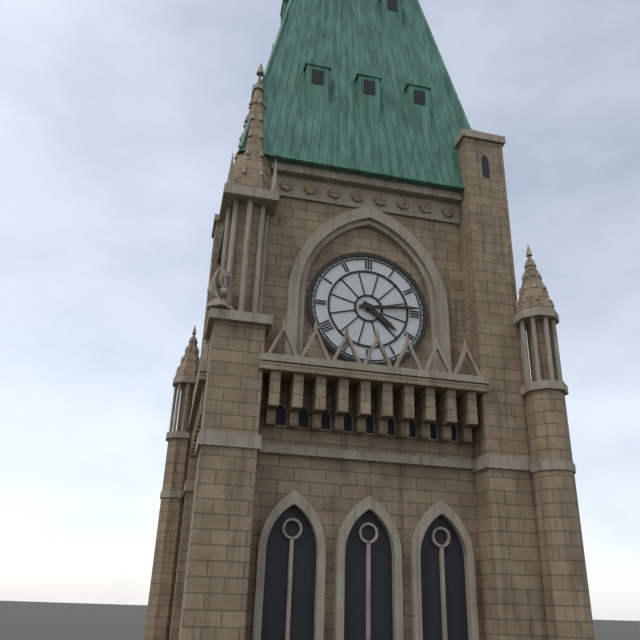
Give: 4:14
